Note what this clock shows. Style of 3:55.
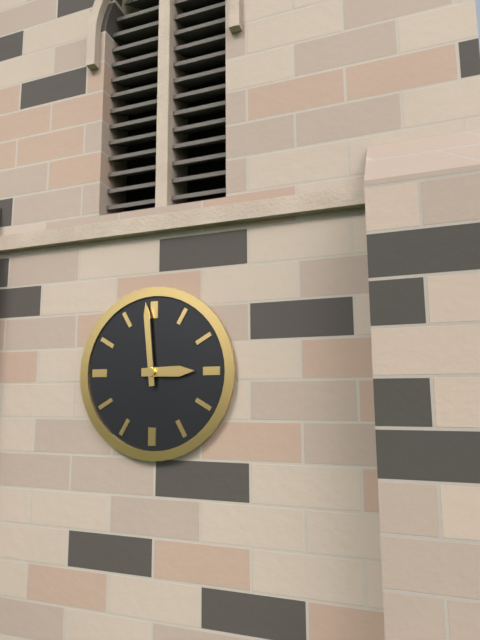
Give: 2:59
